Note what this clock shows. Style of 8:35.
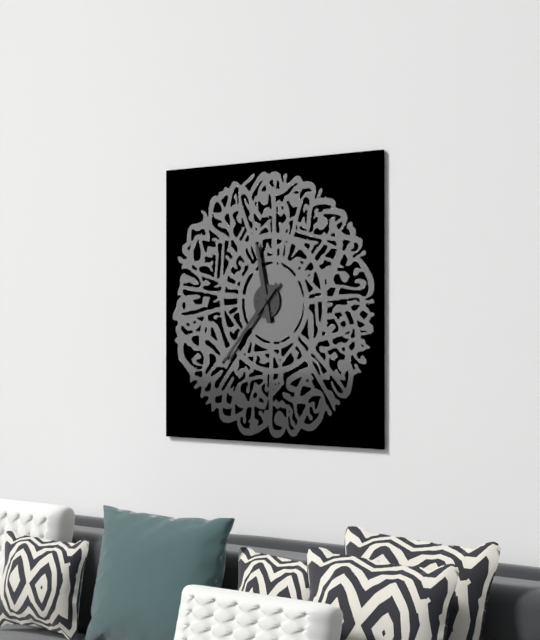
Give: 11:37
